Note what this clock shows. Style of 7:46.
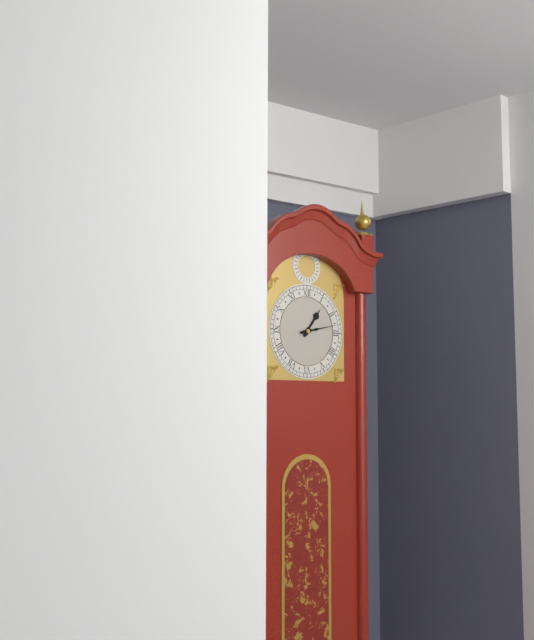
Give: 1:13
